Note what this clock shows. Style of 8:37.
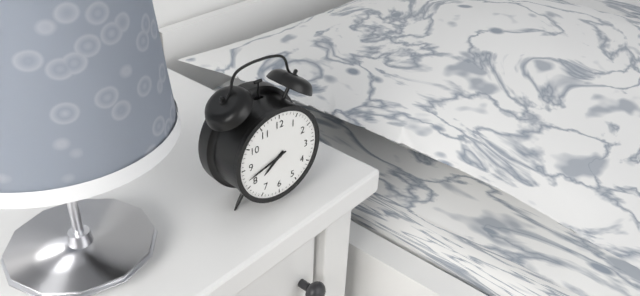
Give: 7:42
